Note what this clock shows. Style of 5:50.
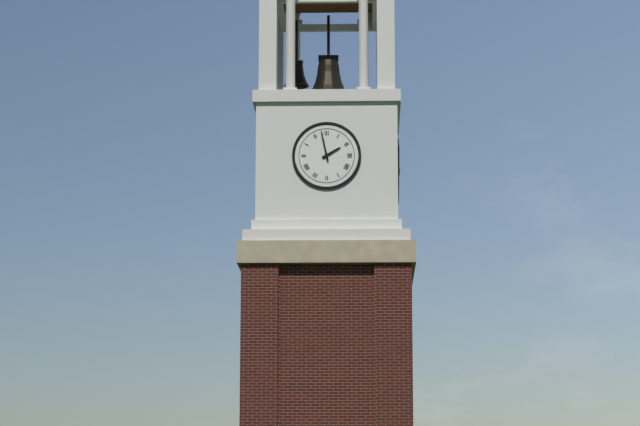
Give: 1:58
